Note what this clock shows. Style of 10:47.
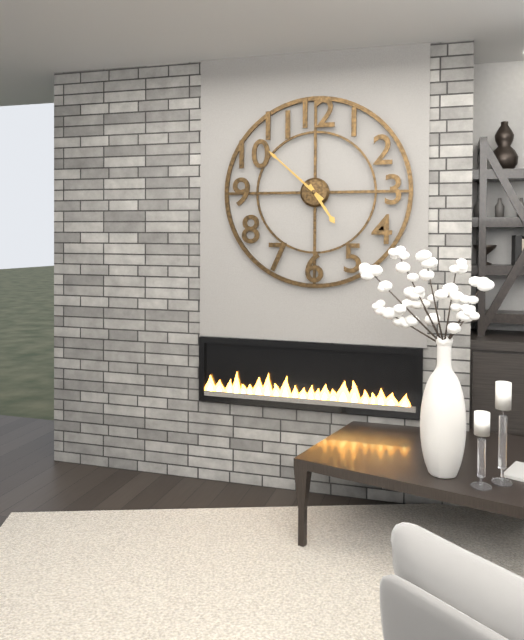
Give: 4:52
